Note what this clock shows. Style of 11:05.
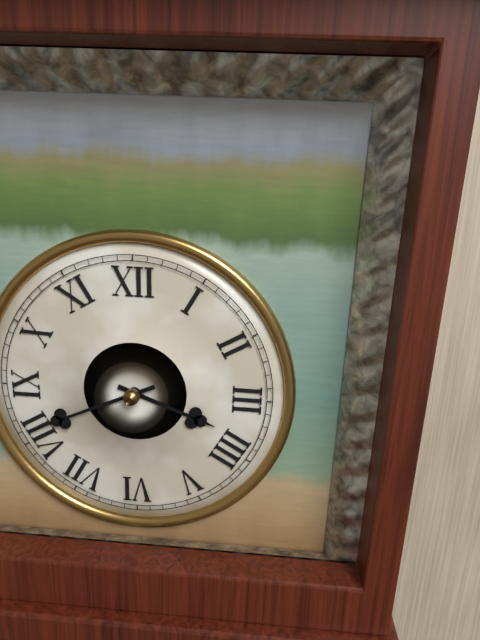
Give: 3:41
